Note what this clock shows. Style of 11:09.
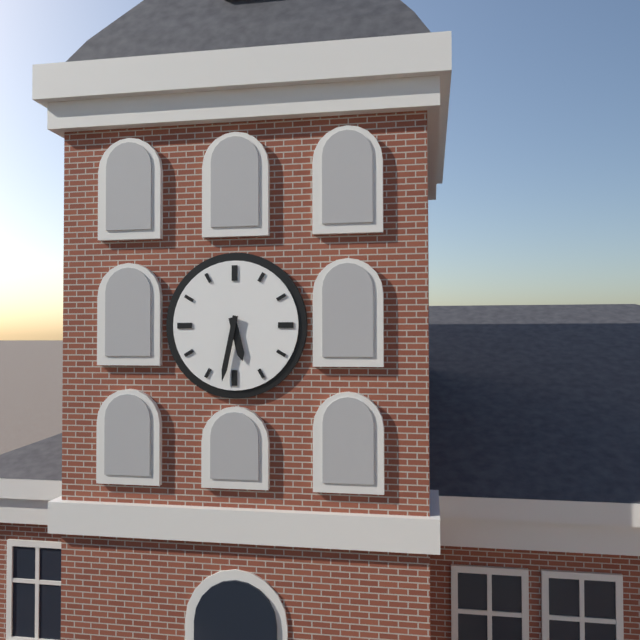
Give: 5:32
